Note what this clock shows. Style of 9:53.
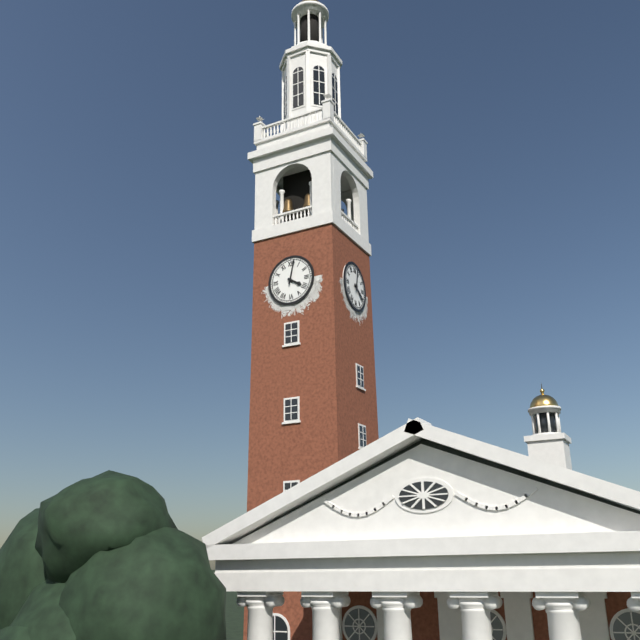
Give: 4:02
